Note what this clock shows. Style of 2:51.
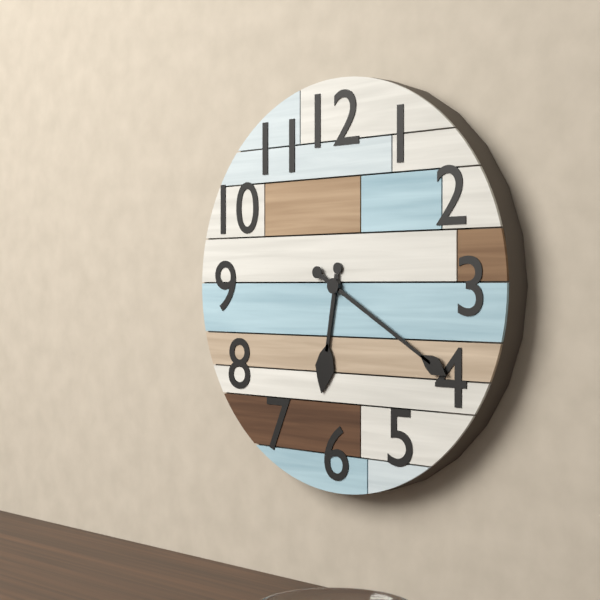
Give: 6:20
